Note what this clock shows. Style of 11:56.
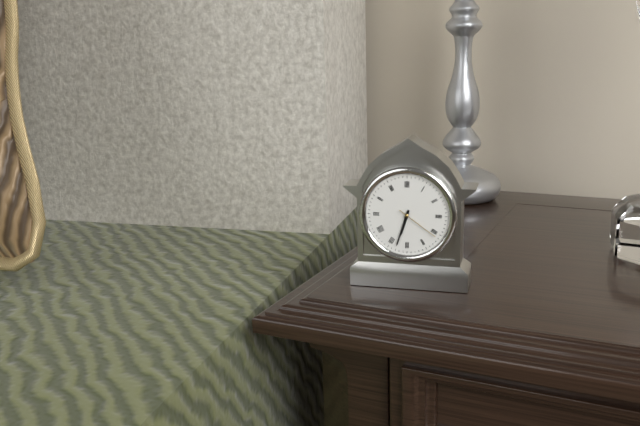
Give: 6:33
